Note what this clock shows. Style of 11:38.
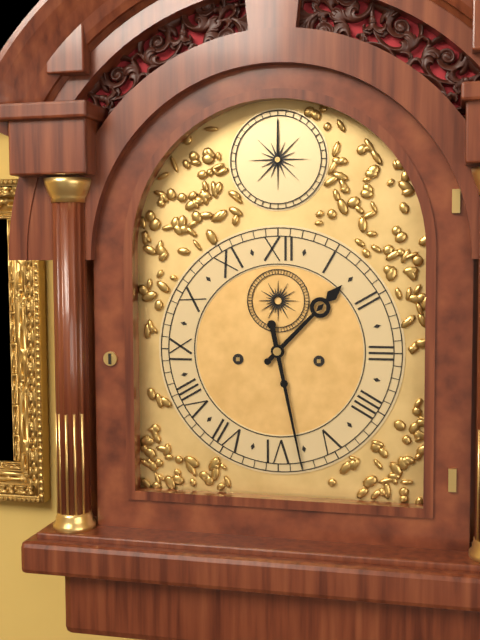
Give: 1:28
